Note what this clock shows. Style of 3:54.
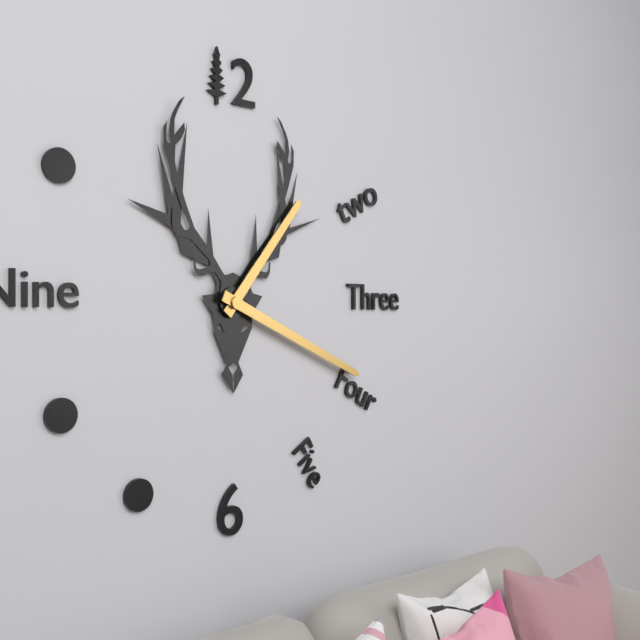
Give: 1:19
